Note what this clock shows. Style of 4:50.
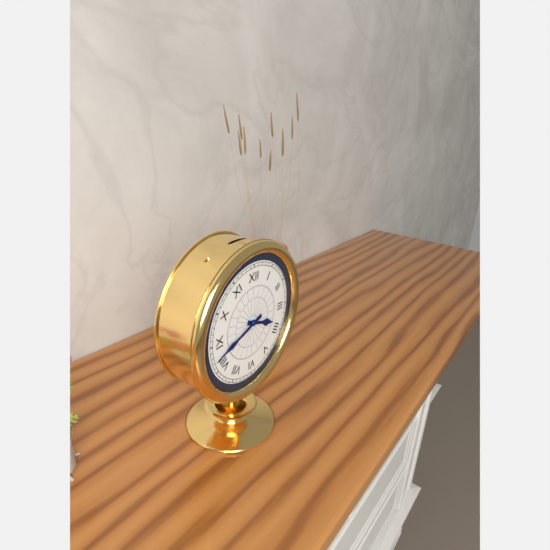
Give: 3:42
